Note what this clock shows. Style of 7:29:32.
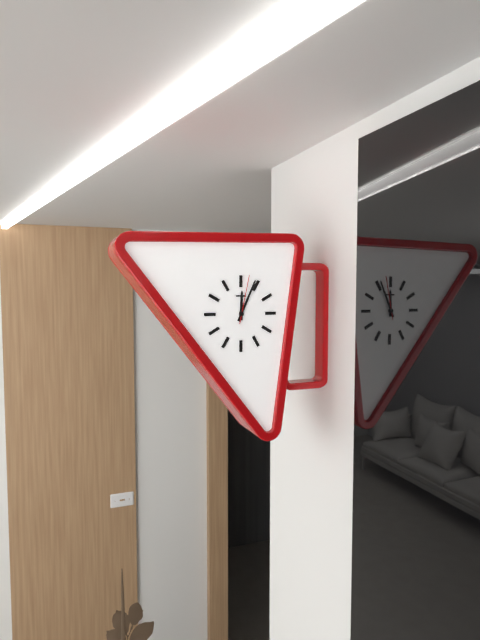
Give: 12:04:02
